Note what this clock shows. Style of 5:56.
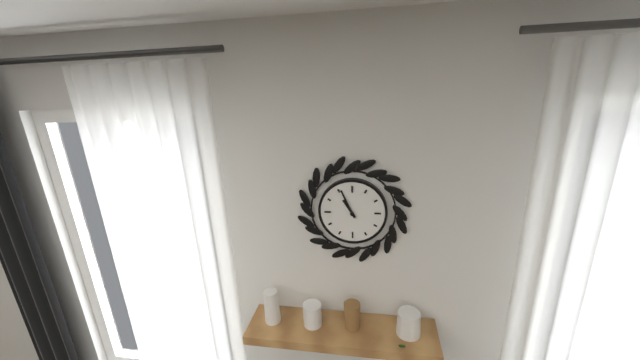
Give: 10:56
